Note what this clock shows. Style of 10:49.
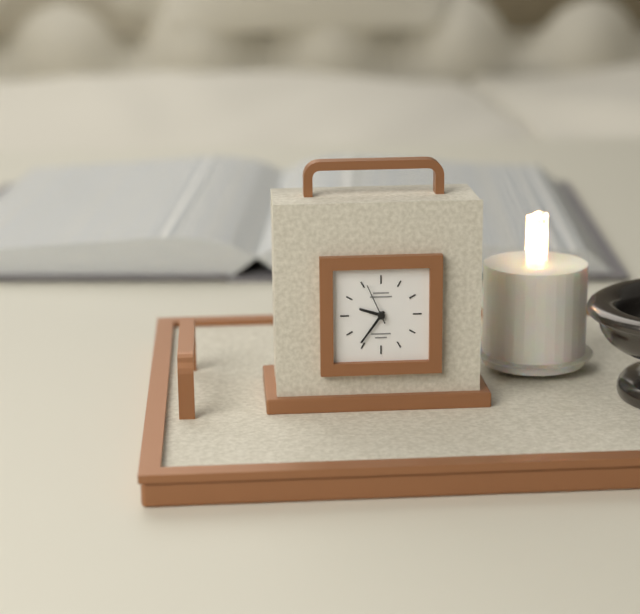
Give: 9:36
